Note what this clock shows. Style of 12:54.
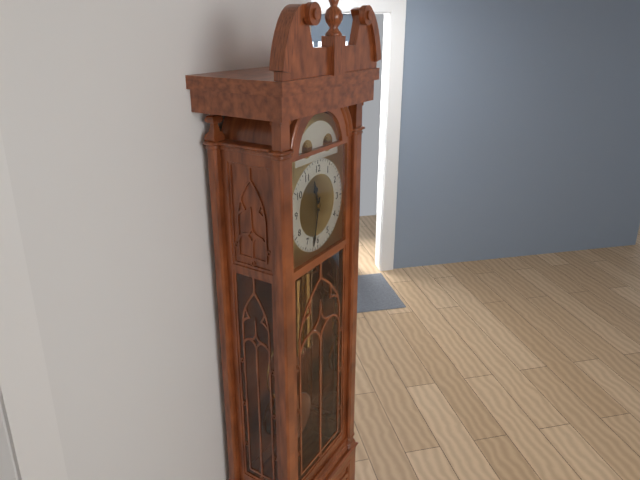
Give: 11:32
